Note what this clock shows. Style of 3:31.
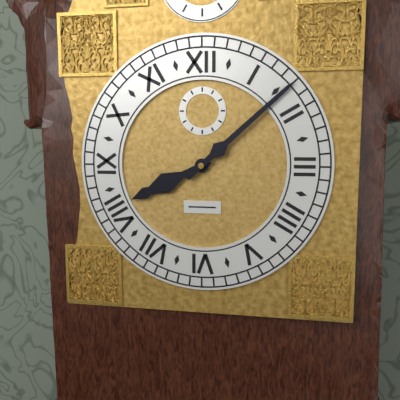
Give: 8:08
